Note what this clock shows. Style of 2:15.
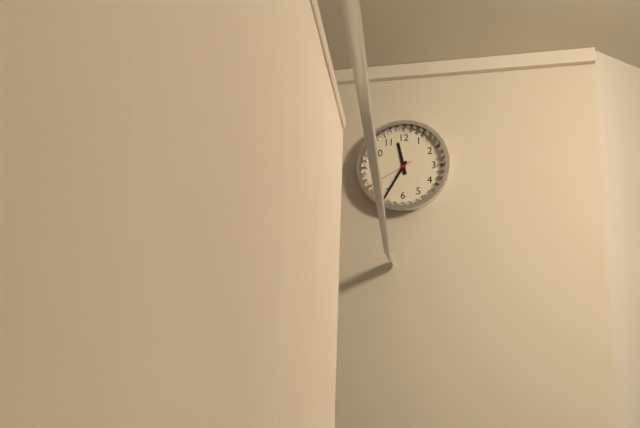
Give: 11:35
